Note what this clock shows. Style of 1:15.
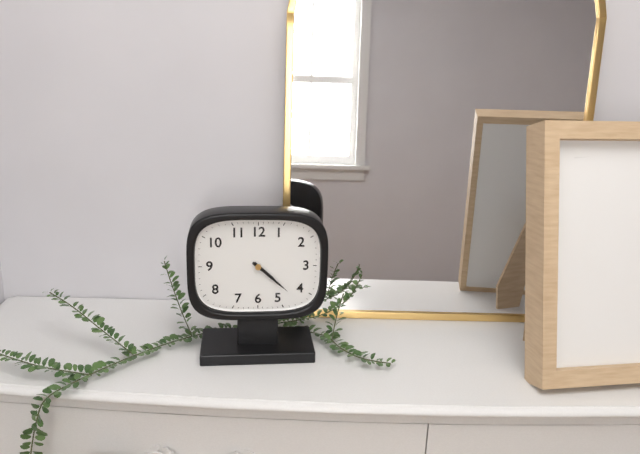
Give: 4:22
